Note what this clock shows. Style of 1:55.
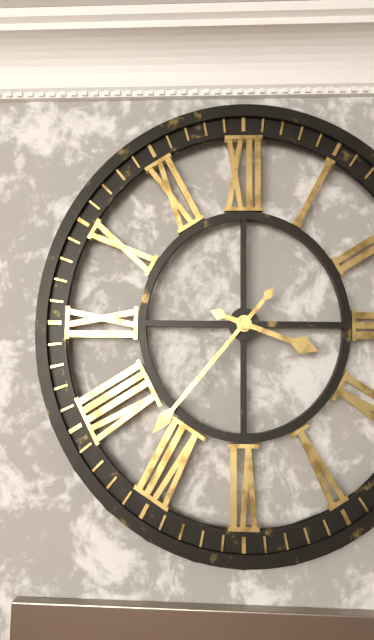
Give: 3:37
